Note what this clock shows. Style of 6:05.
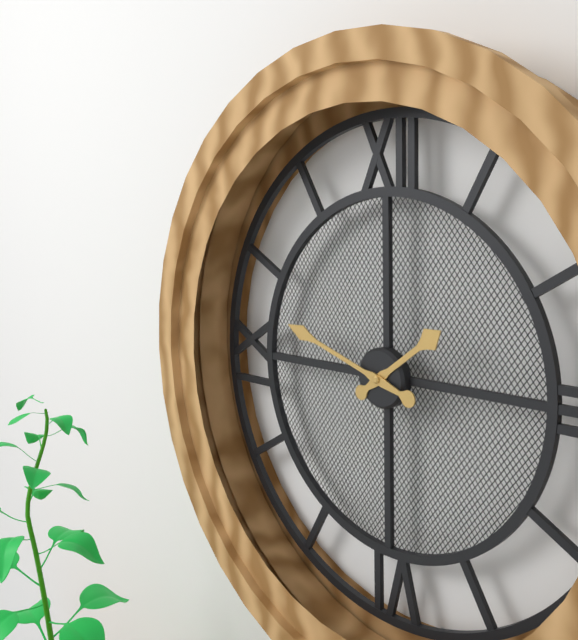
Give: 1:48
